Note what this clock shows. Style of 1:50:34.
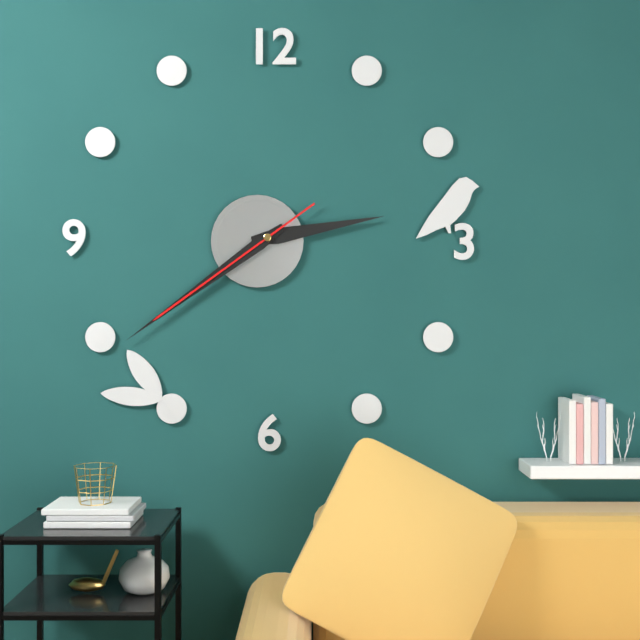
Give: 2:39:39
